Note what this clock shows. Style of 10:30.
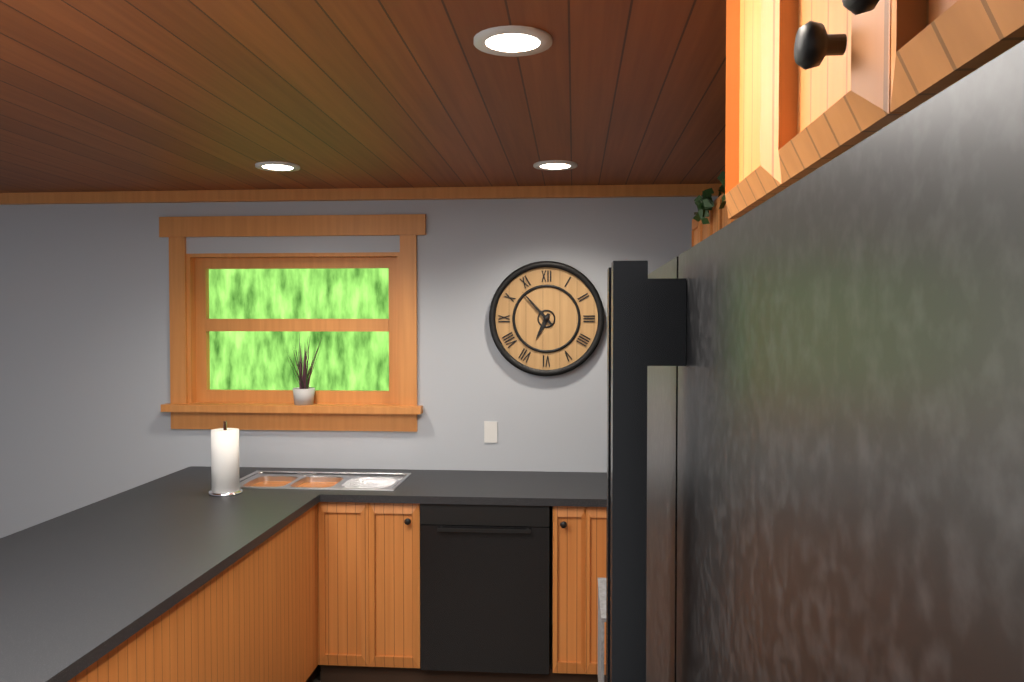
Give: 6:53
